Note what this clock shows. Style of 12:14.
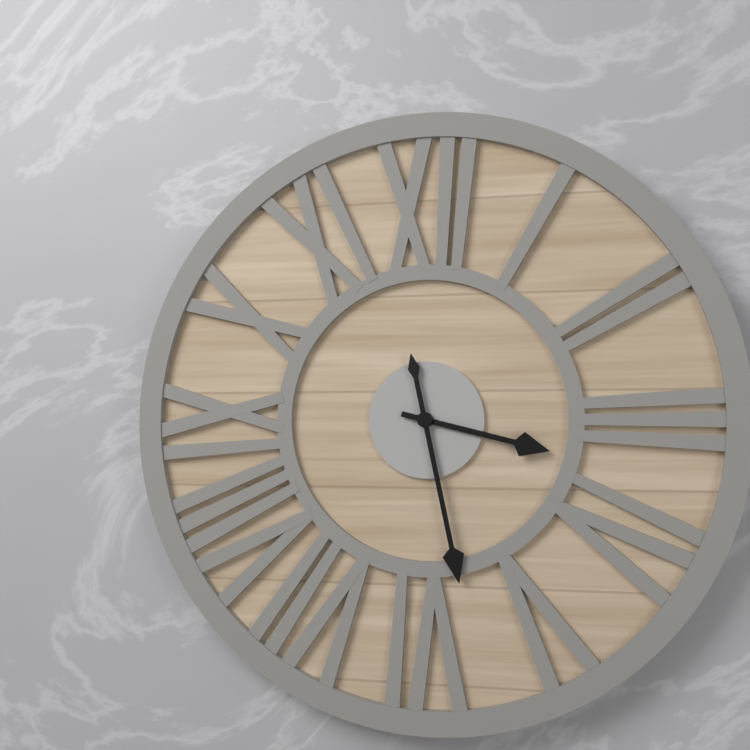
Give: 3:28
